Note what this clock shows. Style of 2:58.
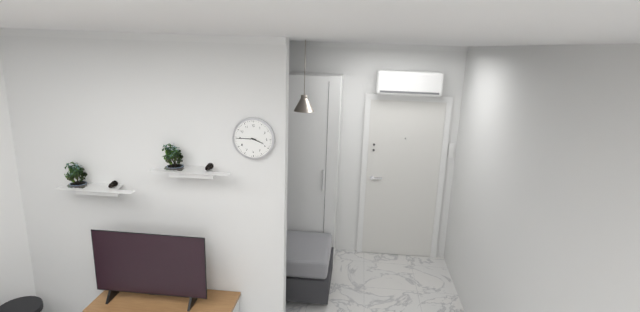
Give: 3:45
